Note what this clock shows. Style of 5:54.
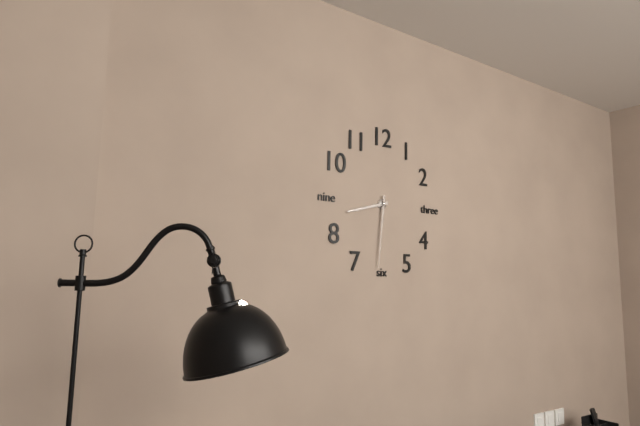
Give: 8:31
